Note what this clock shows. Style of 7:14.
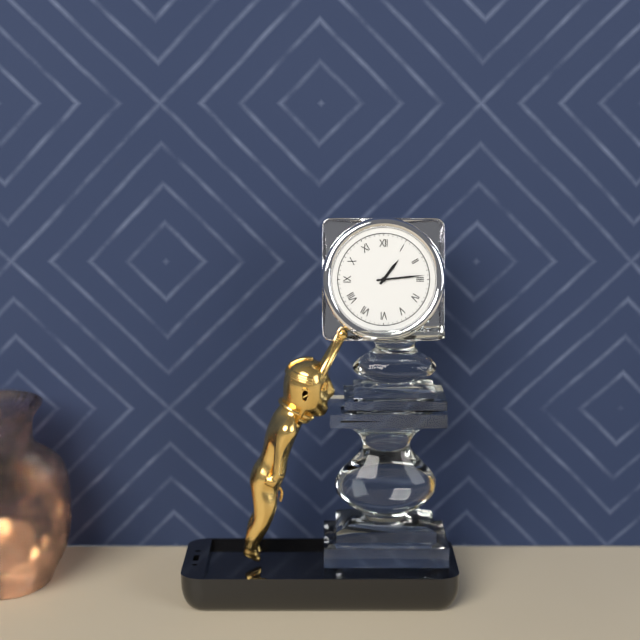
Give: 1:14
